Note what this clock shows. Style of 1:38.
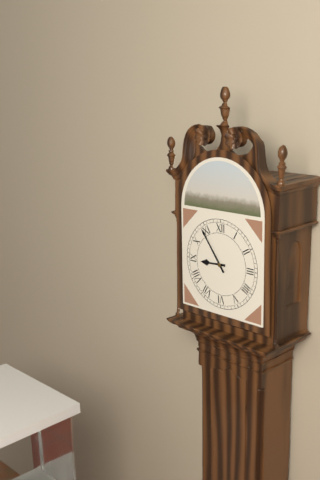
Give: 8:54
